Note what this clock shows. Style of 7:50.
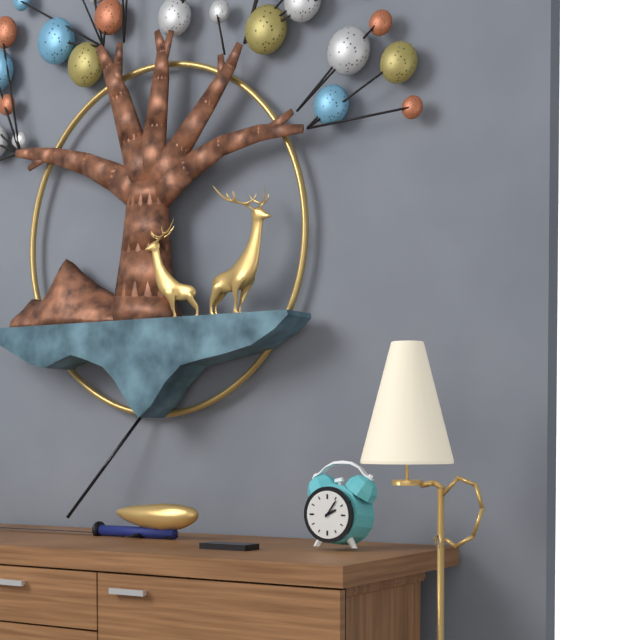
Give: 2:06
